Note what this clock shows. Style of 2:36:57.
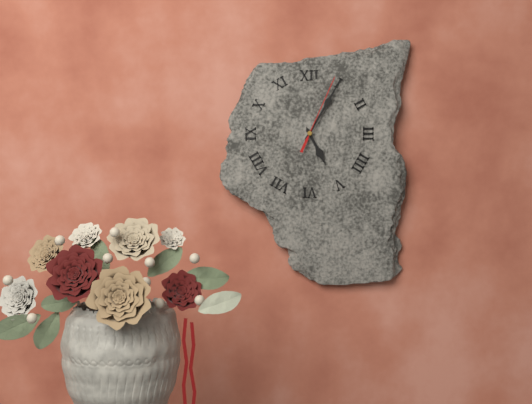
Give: 5:05:04
